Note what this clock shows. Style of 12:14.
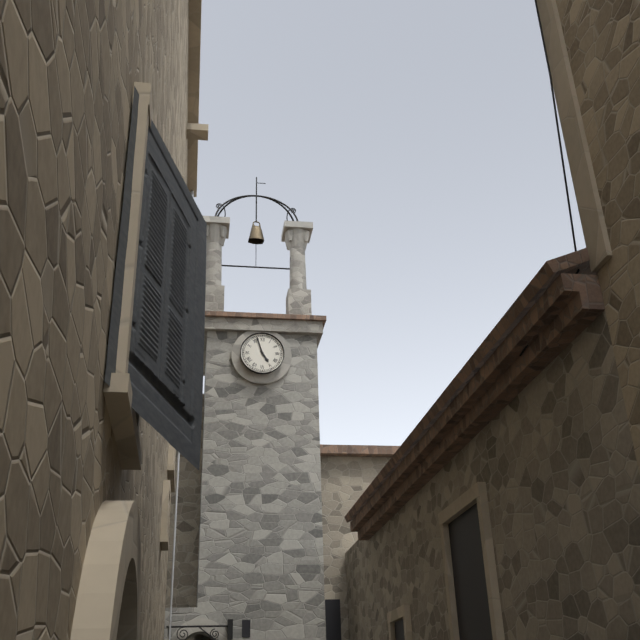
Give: 4:57
